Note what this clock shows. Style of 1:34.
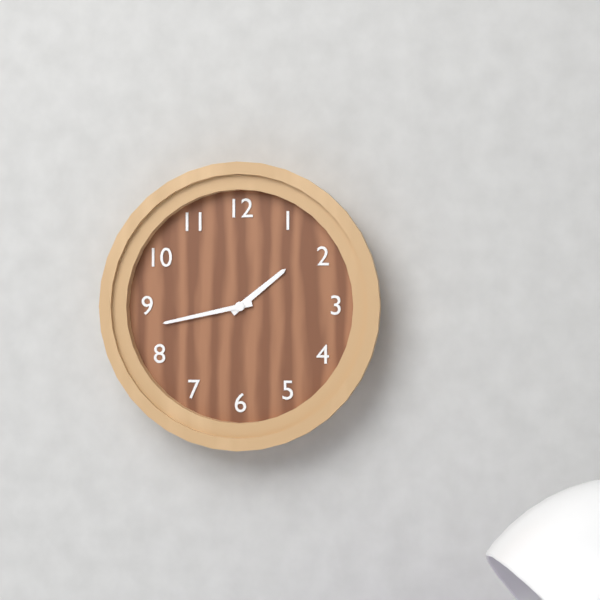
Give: 1:43
